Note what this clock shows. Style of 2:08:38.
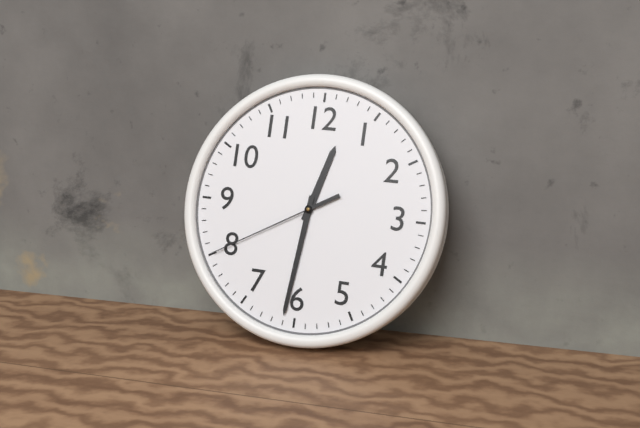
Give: 12:31:40
